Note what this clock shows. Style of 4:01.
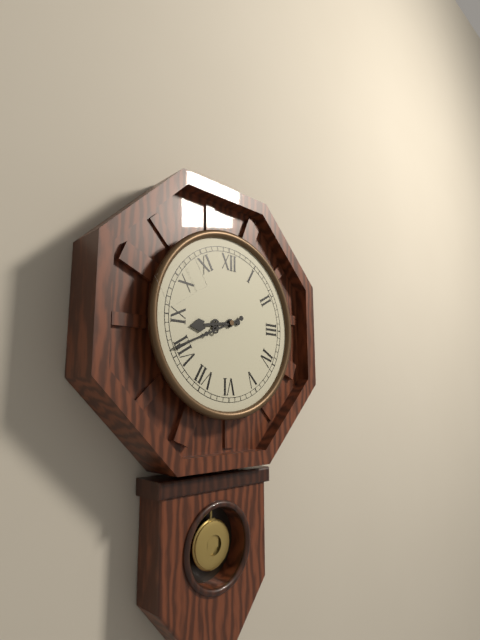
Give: 8:41
